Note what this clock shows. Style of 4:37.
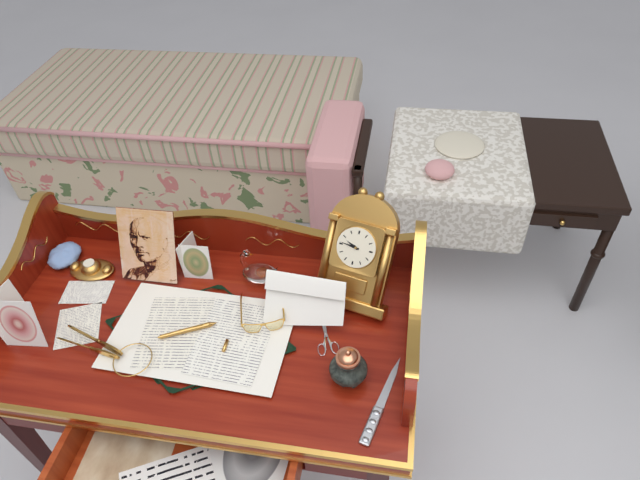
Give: 9:46
